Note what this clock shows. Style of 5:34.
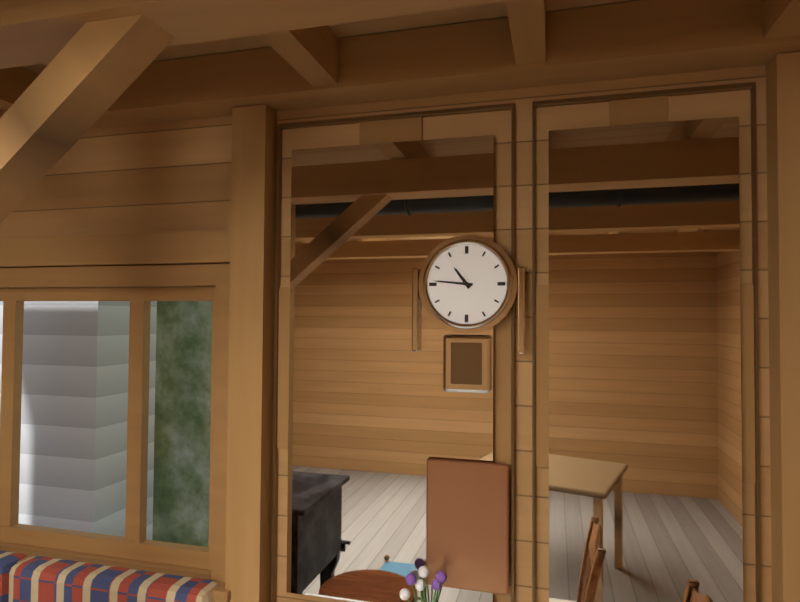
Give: 10:46
